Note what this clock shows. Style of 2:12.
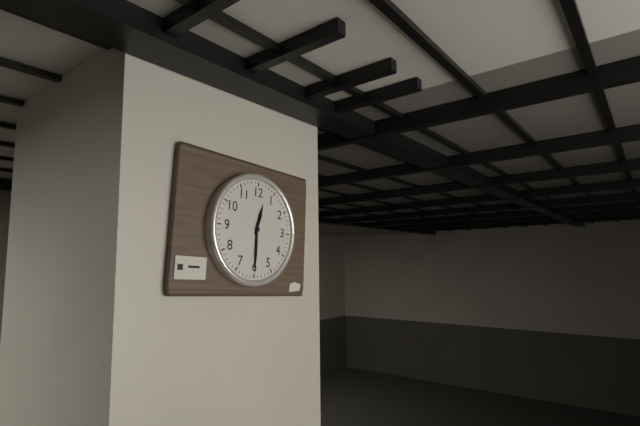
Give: 12:30
